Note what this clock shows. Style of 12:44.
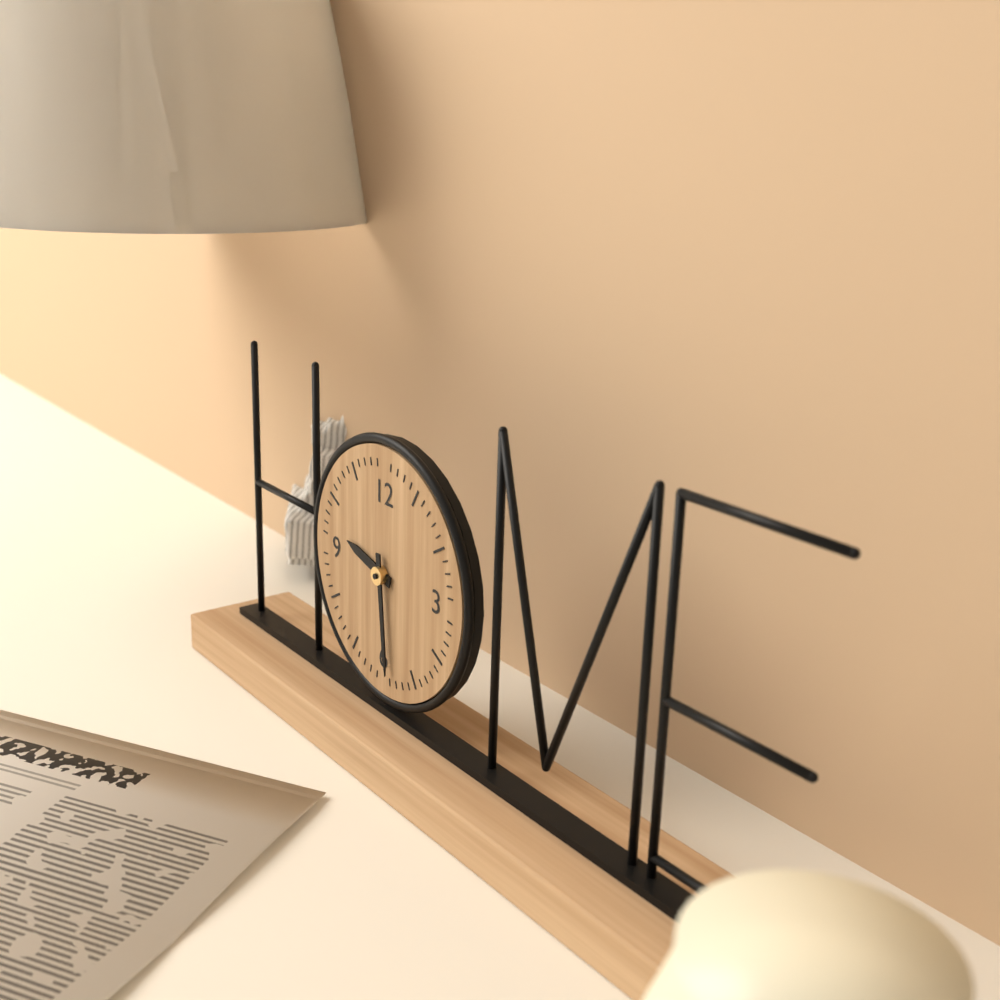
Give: 9:29
